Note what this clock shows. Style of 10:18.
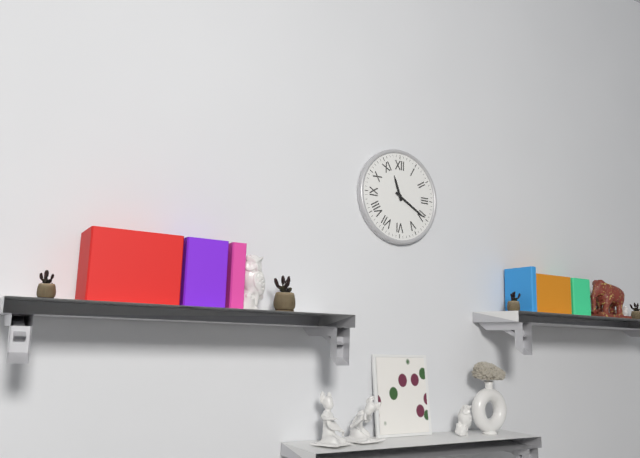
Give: 11:20
